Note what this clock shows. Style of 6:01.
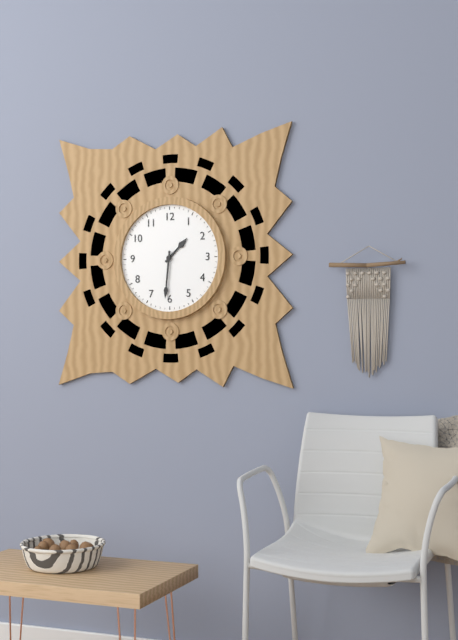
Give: 1:31
